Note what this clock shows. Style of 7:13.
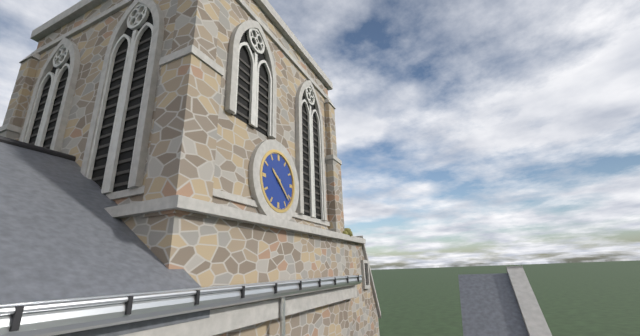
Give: 10:22
